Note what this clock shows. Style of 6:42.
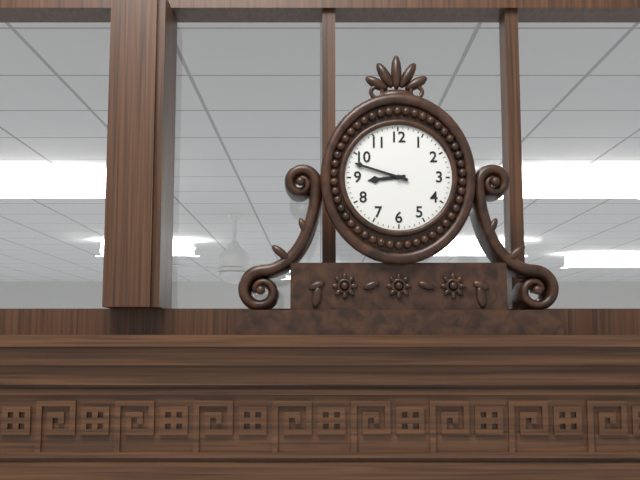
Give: 8:48
